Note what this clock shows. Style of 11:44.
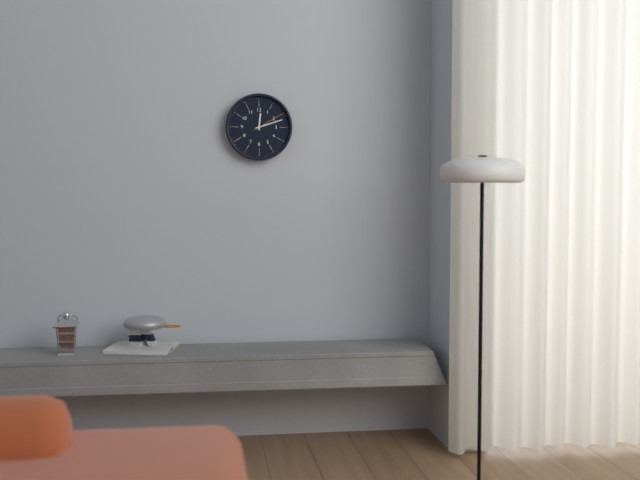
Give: 12:12
